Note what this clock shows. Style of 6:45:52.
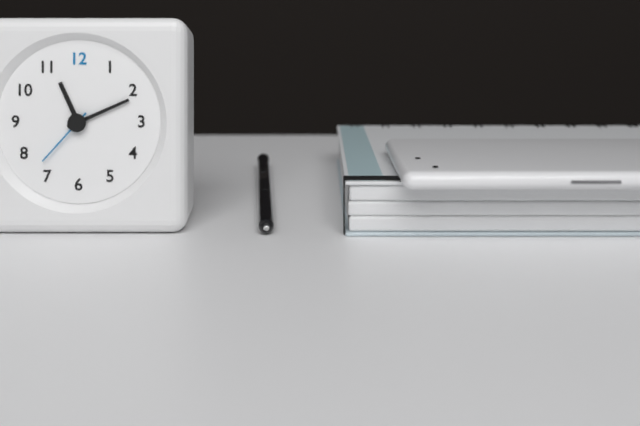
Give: 11:11:37
